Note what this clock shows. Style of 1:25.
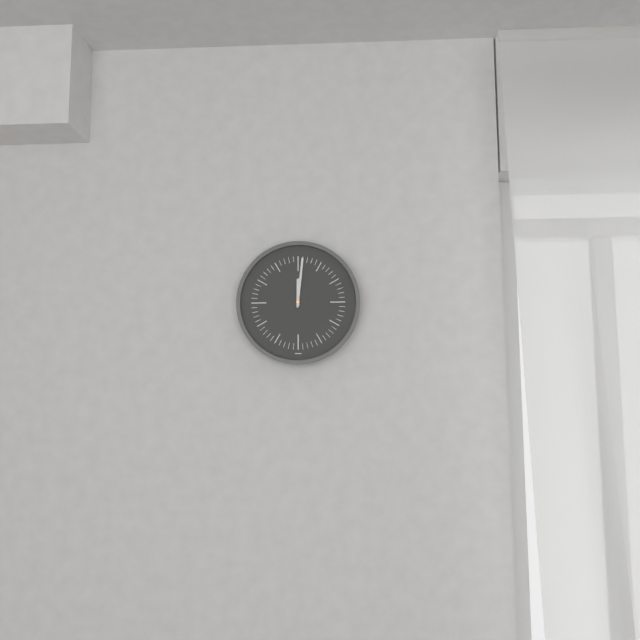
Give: 12:01
